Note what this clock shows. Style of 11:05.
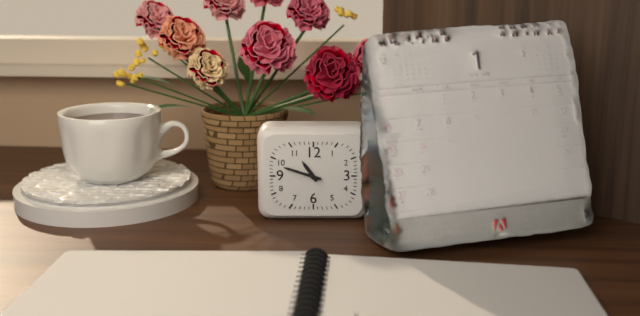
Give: 10:48
